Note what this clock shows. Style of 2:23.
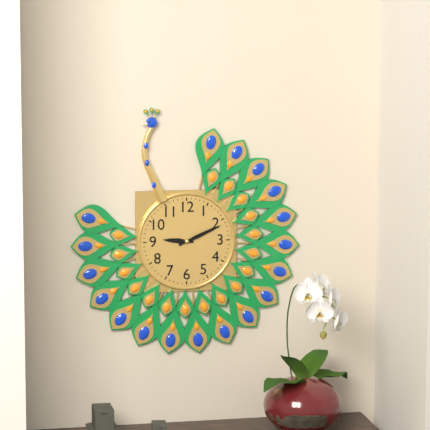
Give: 9:11
